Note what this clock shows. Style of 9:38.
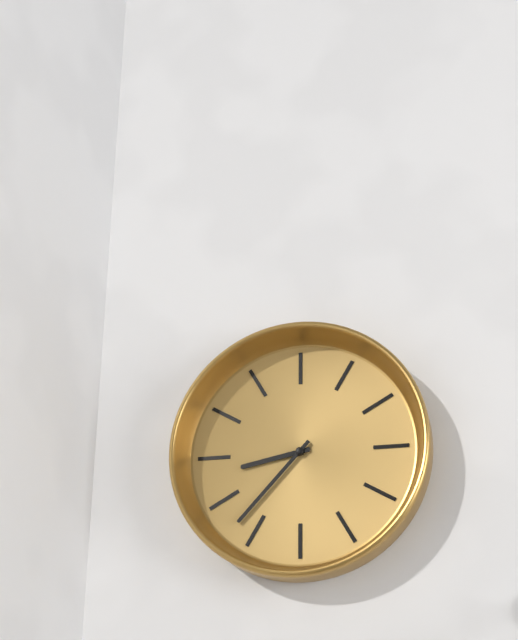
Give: 8:37
